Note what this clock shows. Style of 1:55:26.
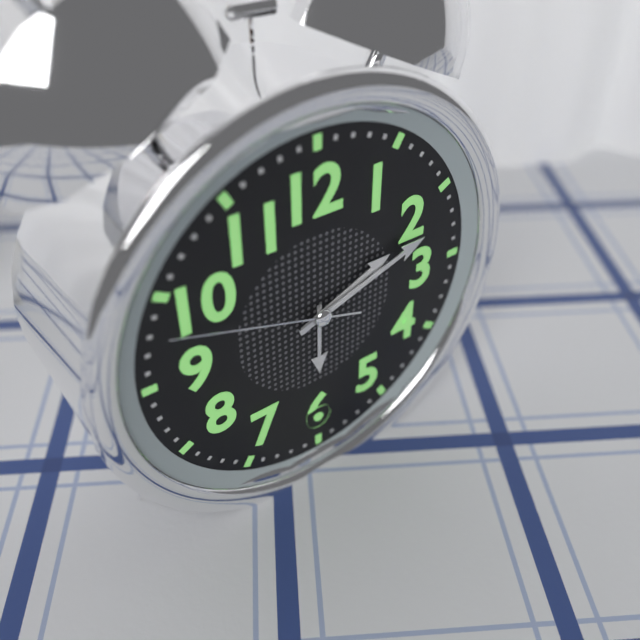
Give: 2:12:48
